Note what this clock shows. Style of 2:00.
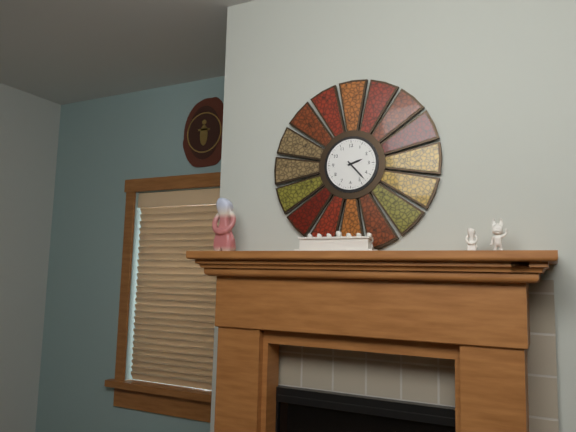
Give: 2:23
